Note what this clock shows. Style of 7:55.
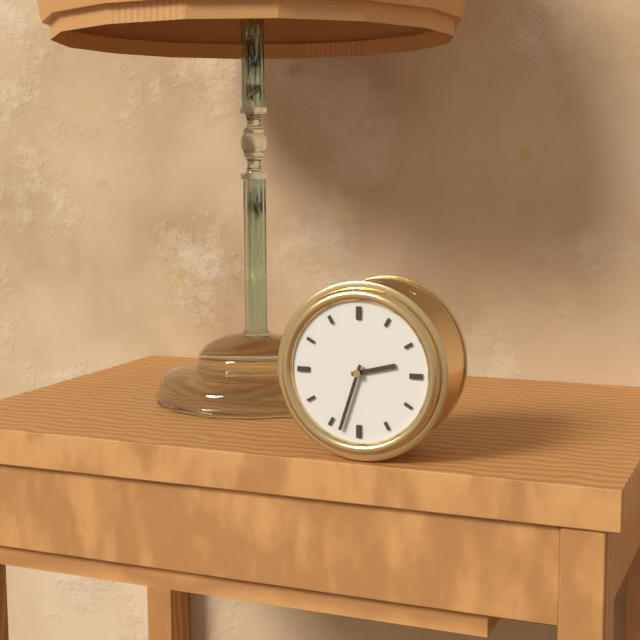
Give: 2:33
